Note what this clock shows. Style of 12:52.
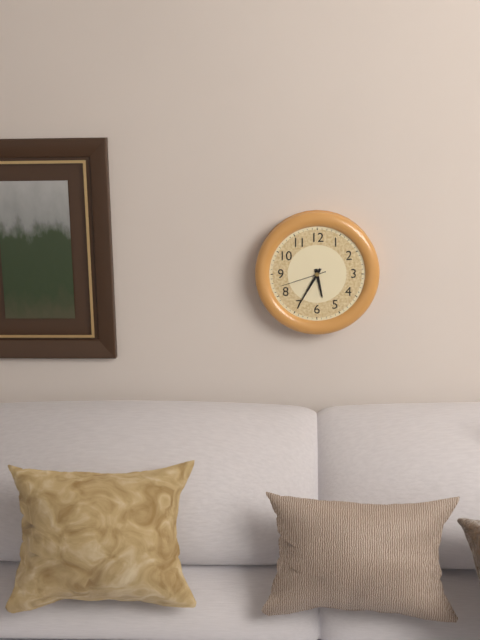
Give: 5:35
